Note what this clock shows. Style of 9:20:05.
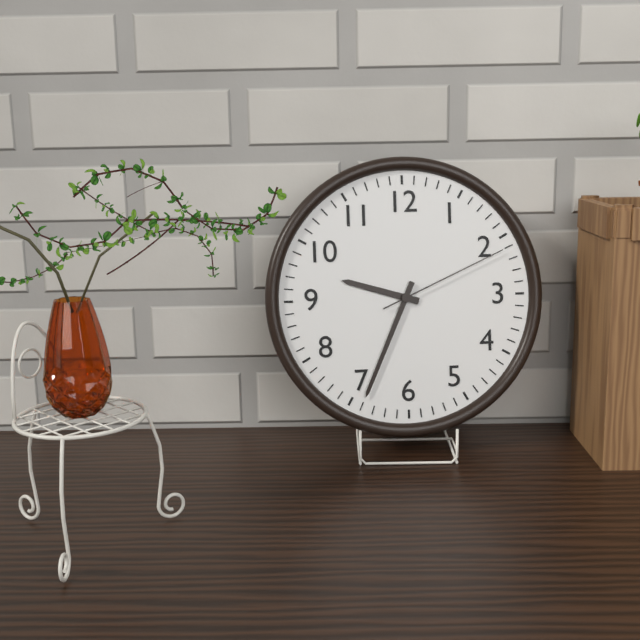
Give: 9:34:11
